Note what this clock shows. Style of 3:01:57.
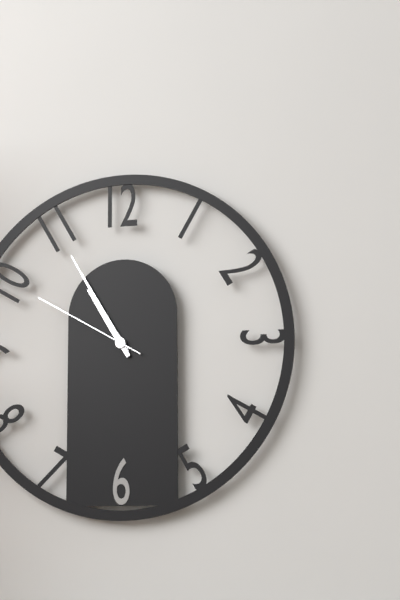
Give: 10:55:50
